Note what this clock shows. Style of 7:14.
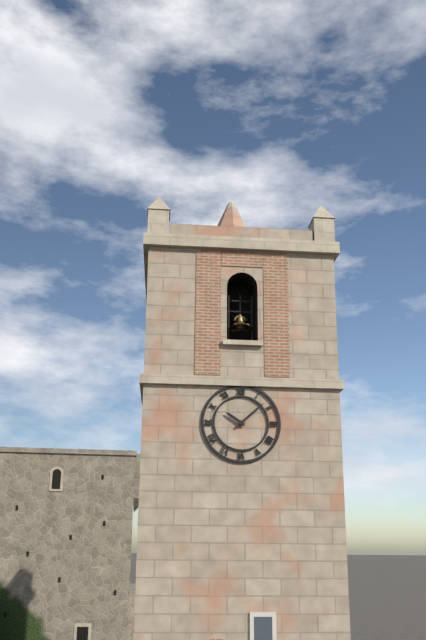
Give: 10:08
